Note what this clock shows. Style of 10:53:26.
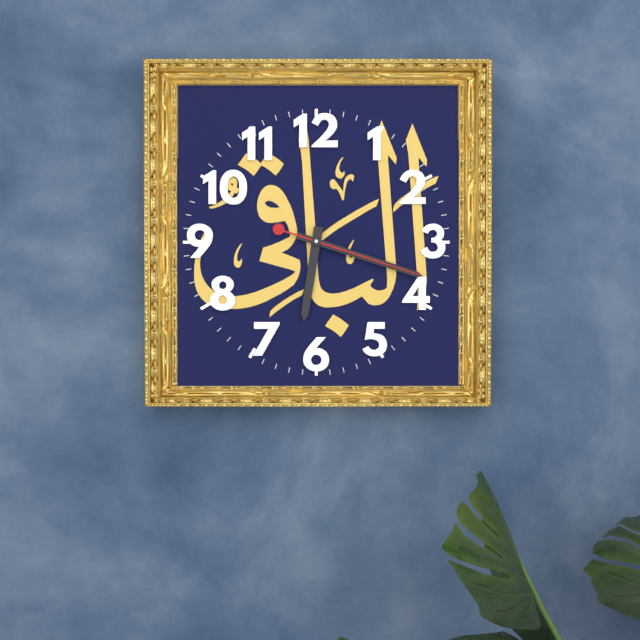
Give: 6:18:18
